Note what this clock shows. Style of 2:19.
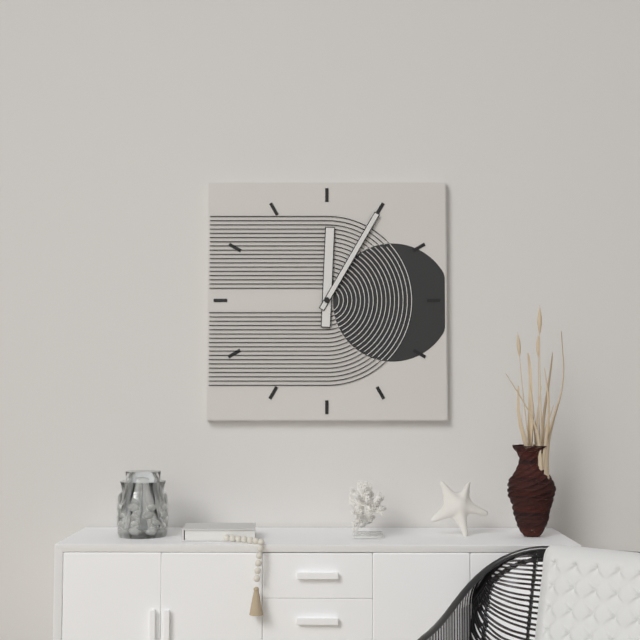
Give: 12:05
